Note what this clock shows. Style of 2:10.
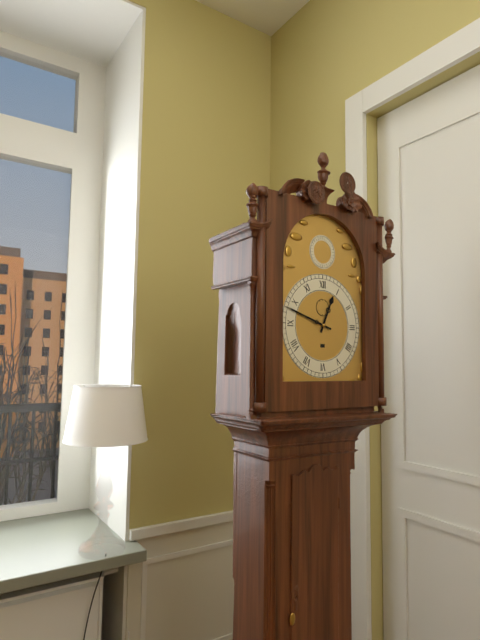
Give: 12:48
